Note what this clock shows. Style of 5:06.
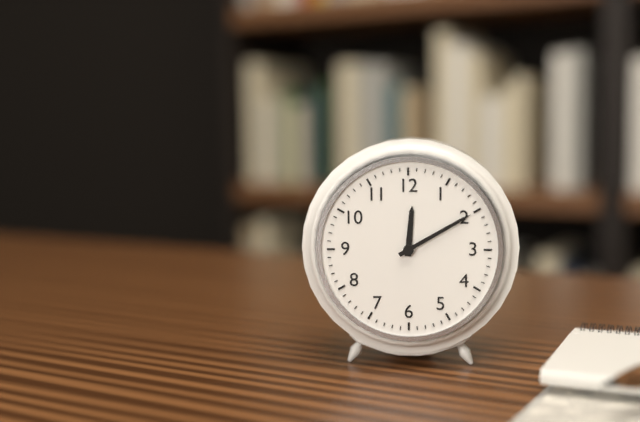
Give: 12:10
